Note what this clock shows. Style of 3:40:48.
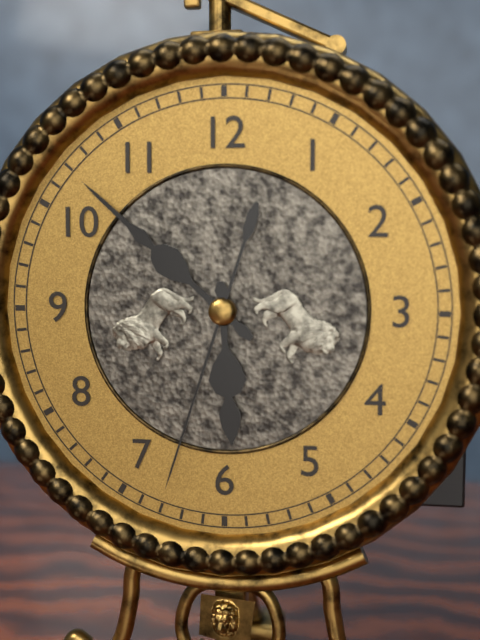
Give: 5:52:33
